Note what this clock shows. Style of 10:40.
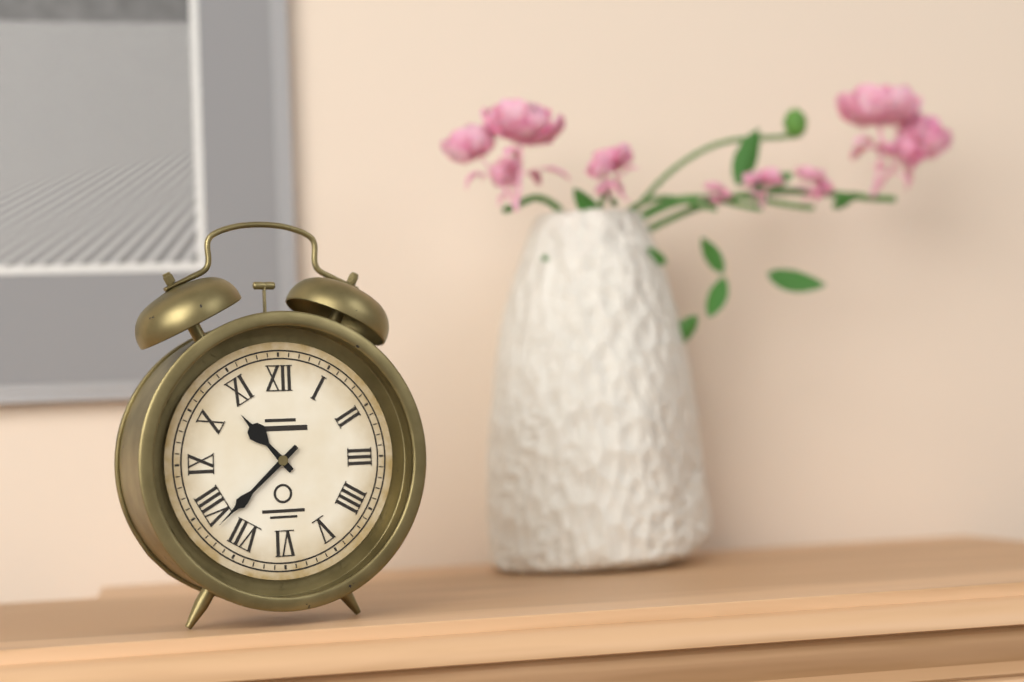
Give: 10:38
